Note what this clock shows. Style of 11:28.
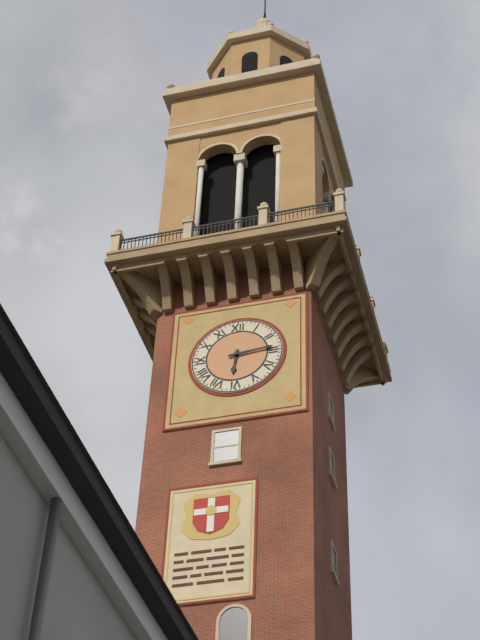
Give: 6:14
